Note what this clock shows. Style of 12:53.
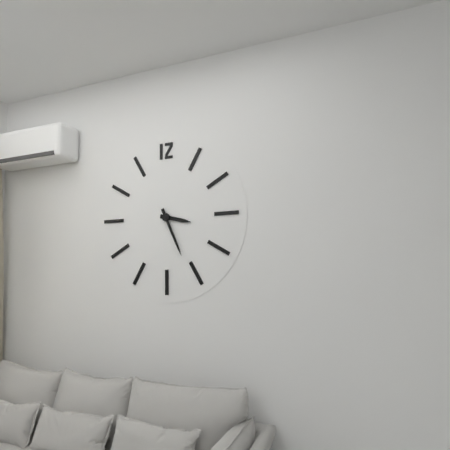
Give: 3:26
